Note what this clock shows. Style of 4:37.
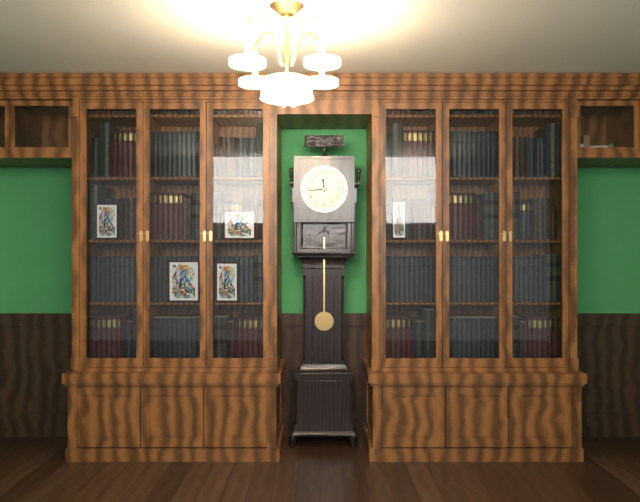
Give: 11:44
